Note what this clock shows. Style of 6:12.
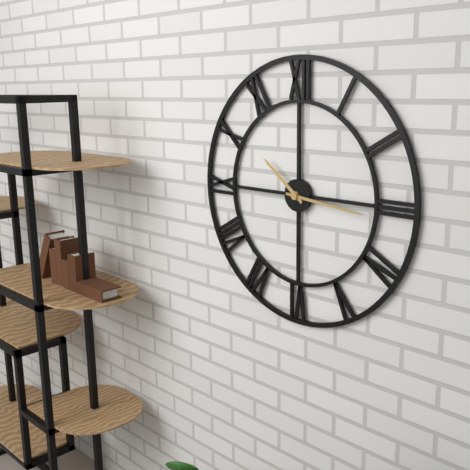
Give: 10:16
